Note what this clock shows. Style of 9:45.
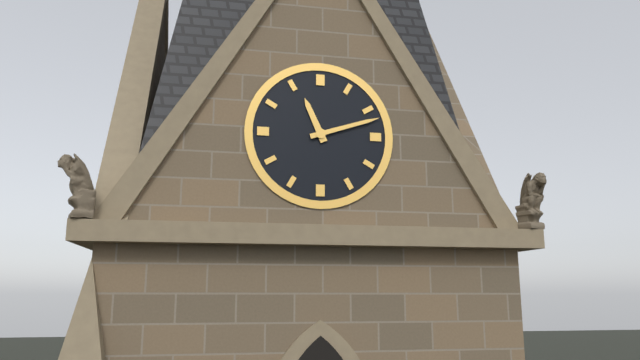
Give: 11:12
